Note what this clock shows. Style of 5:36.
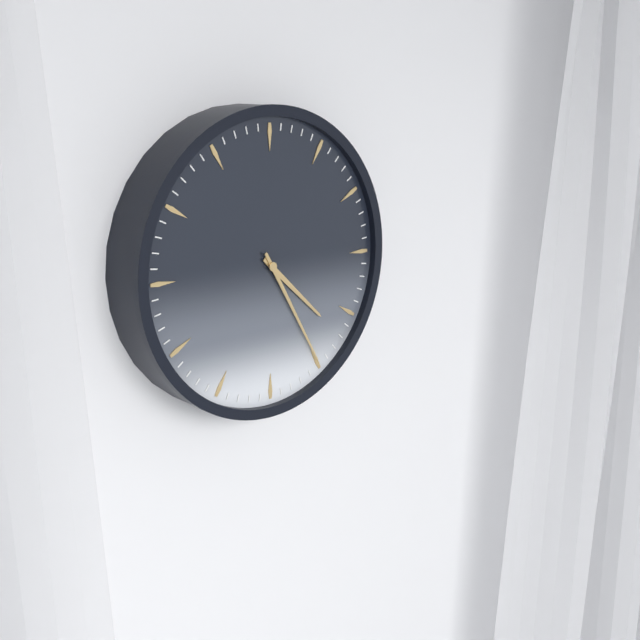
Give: 4:25
